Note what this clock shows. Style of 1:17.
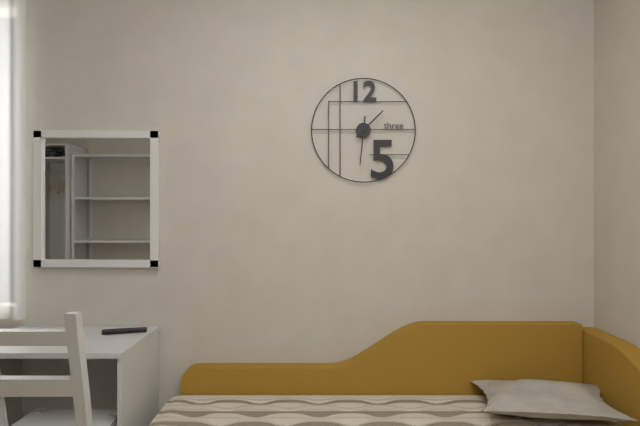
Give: 1:31
